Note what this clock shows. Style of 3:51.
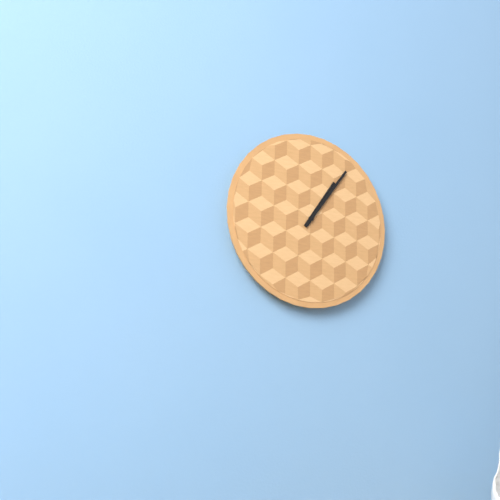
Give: 1:06
